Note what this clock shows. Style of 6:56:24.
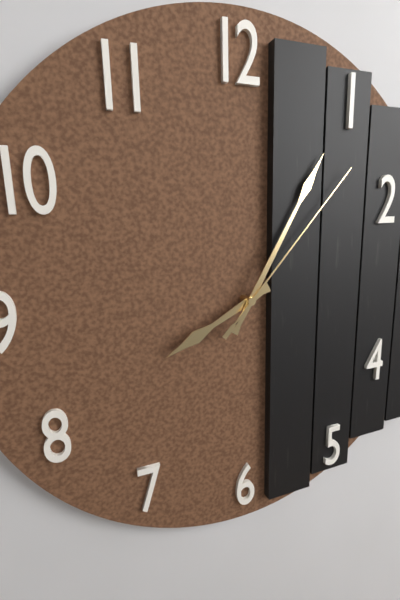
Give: 8:05:07
